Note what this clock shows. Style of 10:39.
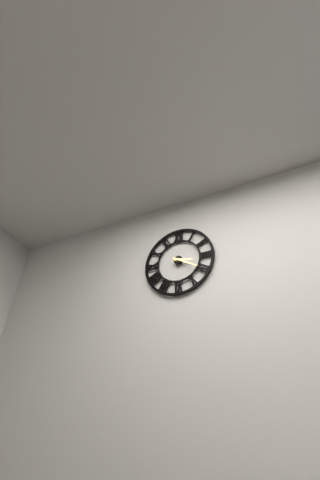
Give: 3:20
